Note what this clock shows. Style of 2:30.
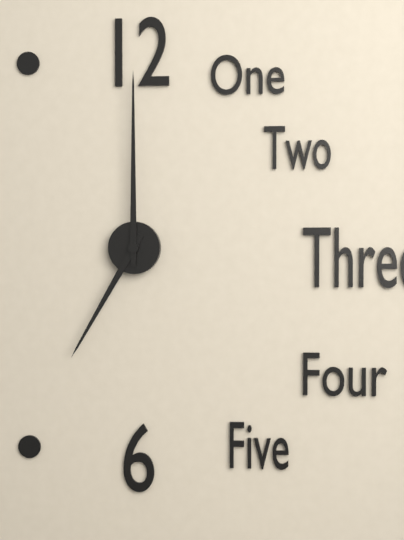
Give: 7:00
